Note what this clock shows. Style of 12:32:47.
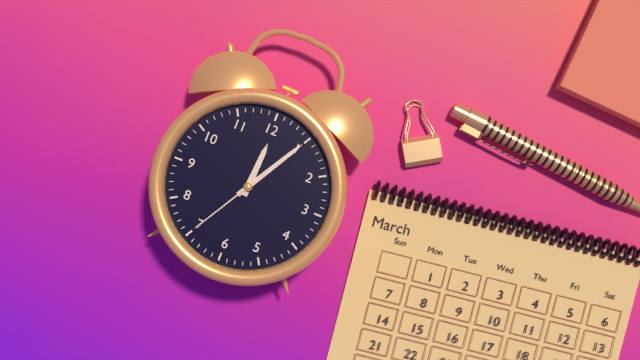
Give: 12:05:35
